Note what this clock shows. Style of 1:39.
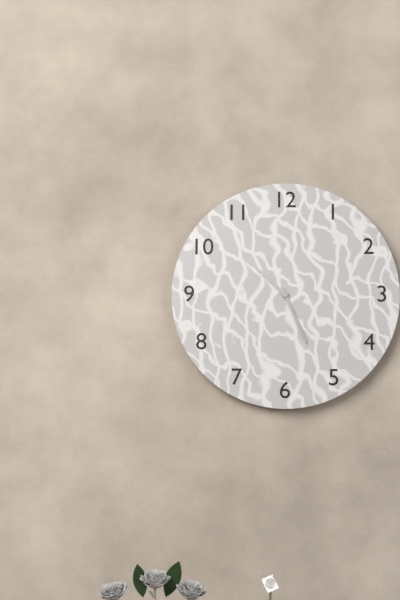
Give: 10:26
